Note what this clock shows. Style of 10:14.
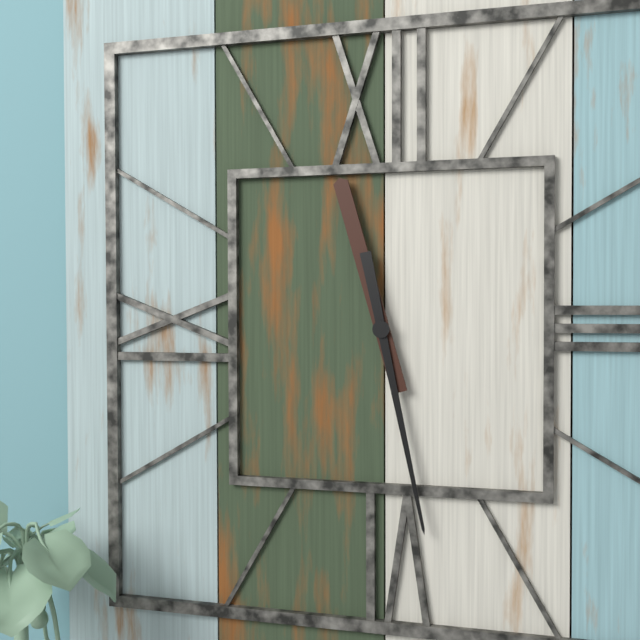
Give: 11:28
